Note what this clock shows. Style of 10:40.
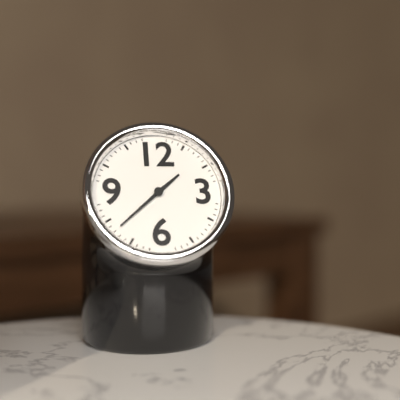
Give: 1:38
